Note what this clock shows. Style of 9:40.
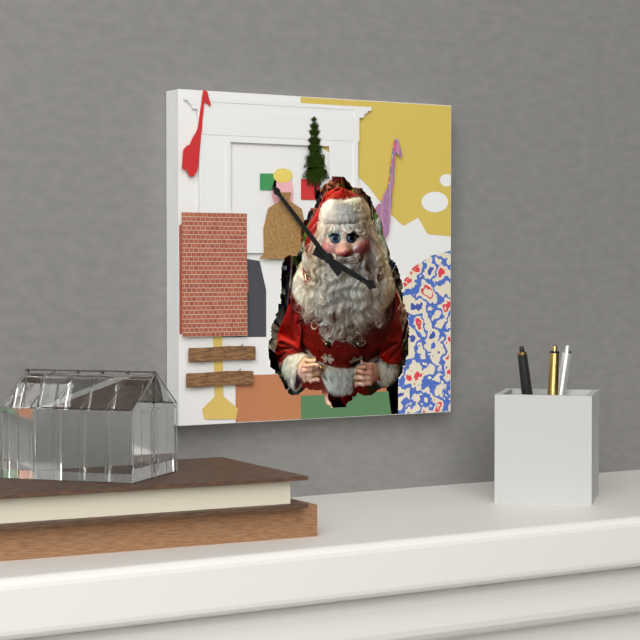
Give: 3:53
